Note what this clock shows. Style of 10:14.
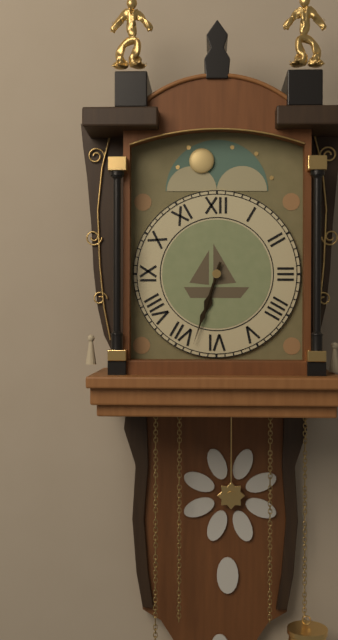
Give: 6:33
